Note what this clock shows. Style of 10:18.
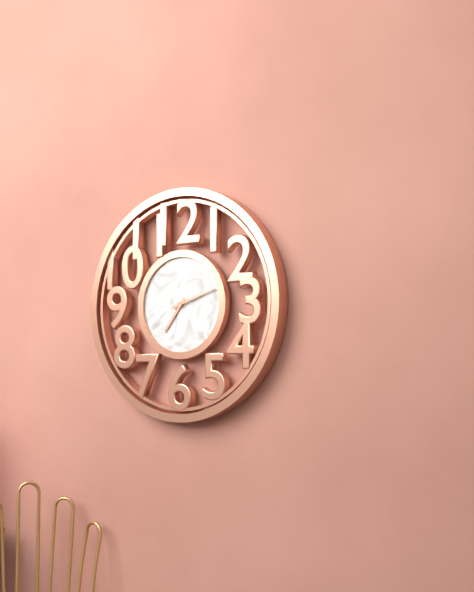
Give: 7:12
